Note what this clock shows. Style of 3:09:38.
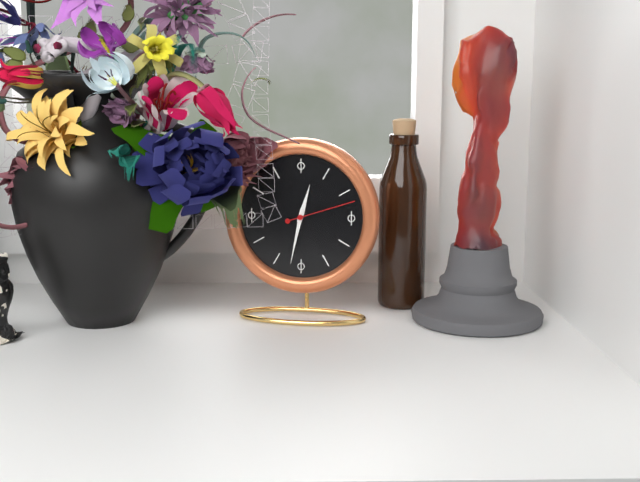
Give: 12:32:12
